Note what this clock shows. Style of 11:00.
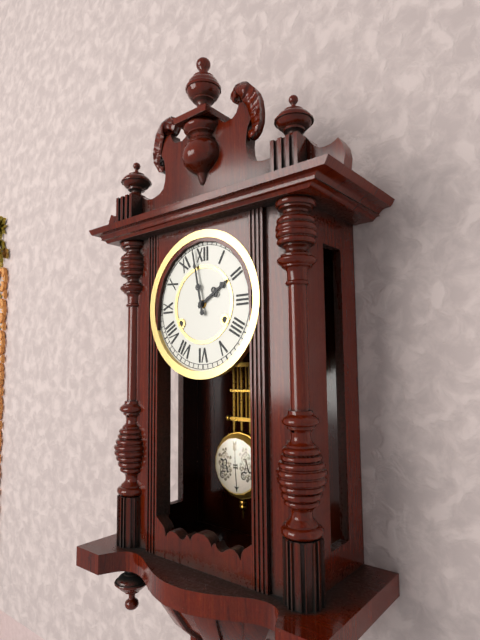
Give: 1:58
